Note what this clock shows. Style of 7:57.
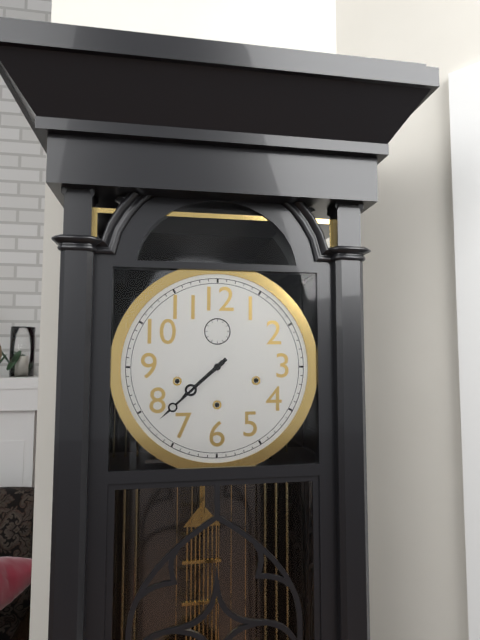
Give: 7:38
